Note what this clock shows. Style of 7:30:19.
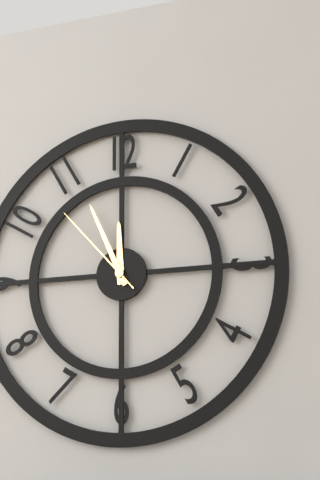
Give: 11:56:53
